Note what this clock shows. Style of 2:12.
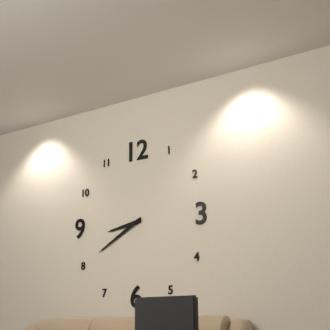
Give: 8:40
